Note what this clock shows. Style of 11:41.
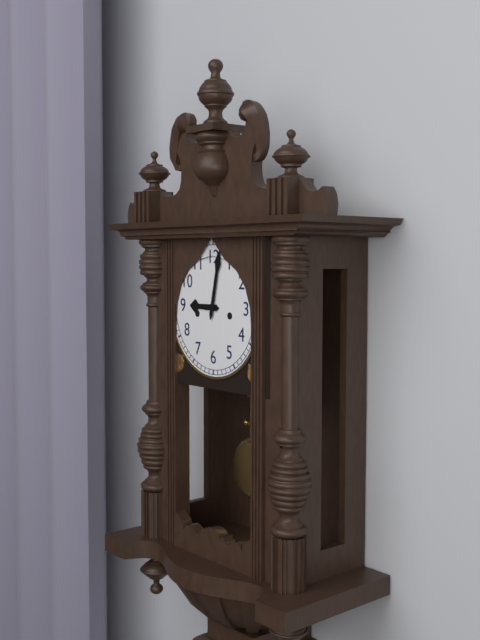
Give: 9:02
